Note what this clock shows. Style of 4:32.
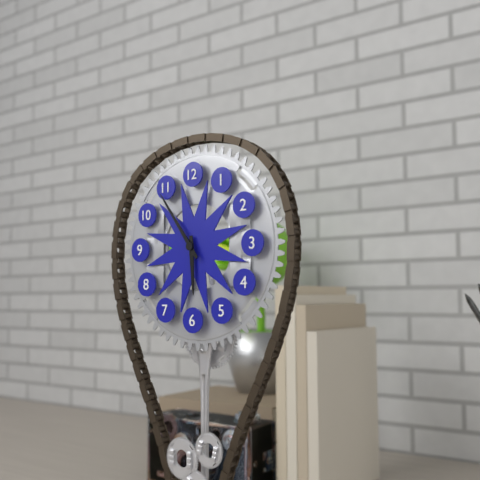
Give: 5:54
